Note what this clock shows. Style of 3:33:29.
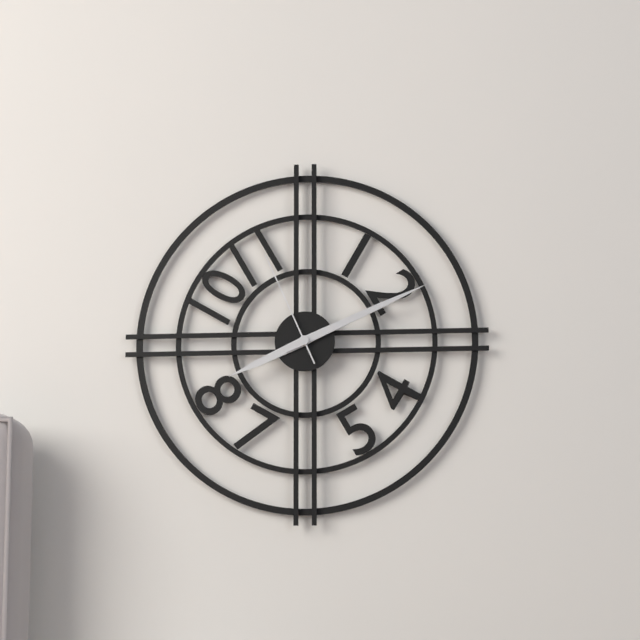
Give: 8:11:56
